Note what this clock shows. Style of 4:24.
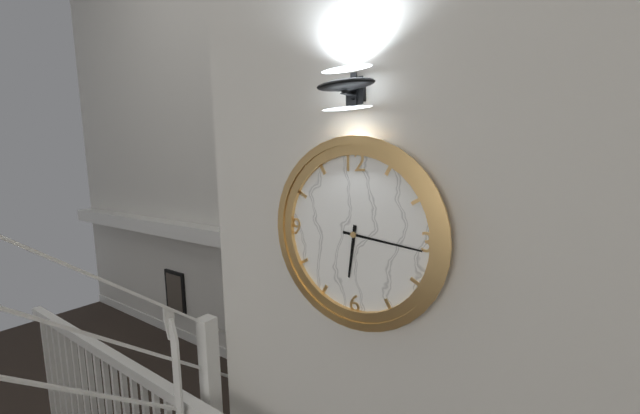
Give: 6:16
